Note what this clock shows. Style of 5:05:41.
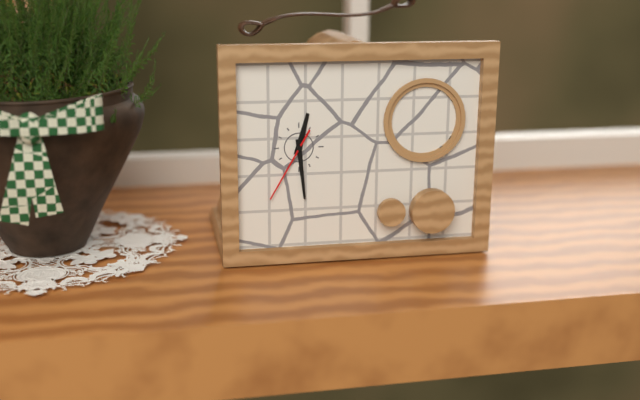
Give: 12:29:35
